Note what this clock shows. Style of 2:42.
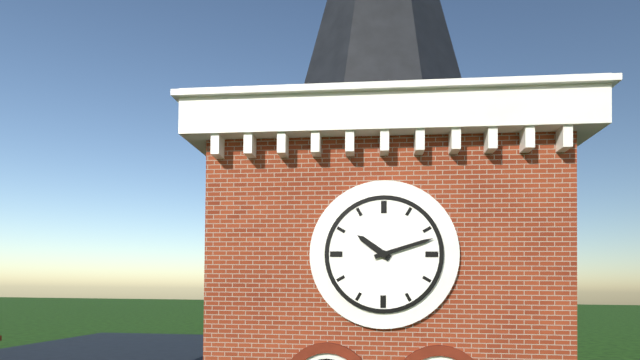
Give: 10:12
